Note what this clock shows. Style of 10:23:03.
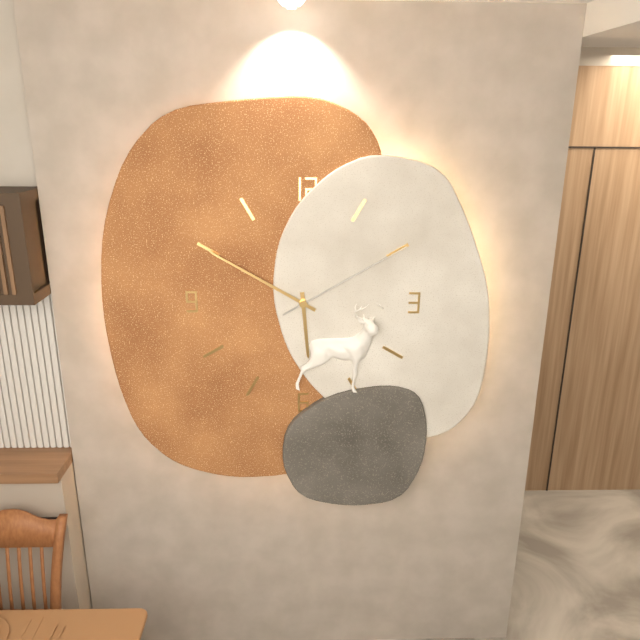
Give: 5:50:10
